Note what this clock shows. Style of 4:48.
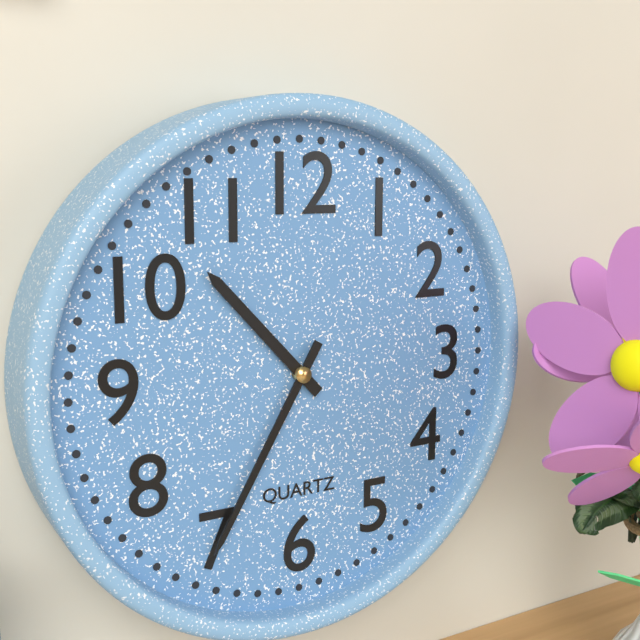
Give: 10:35
